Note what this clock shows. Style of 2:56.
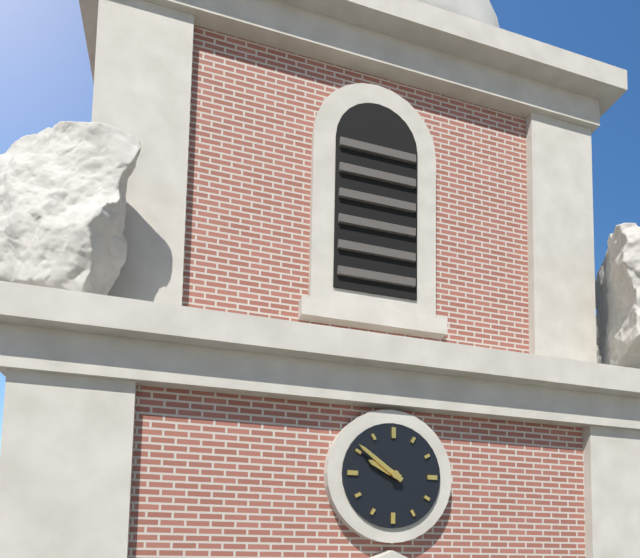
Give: 9:51
